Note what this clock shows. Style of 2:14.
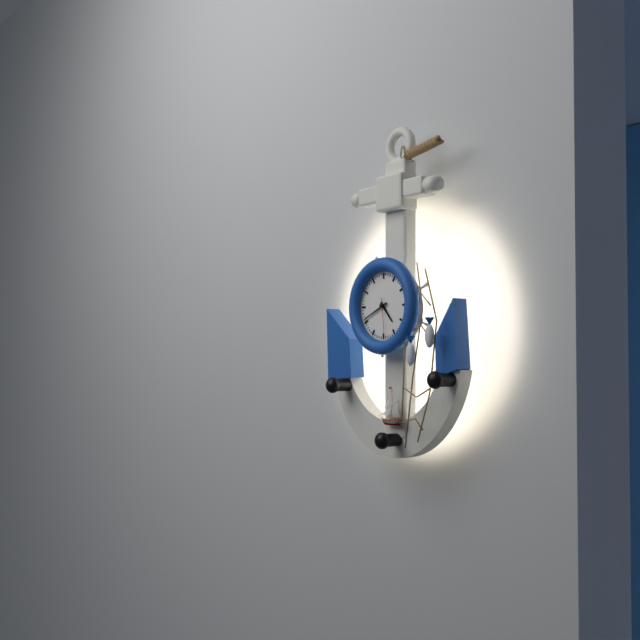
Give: 4:41
